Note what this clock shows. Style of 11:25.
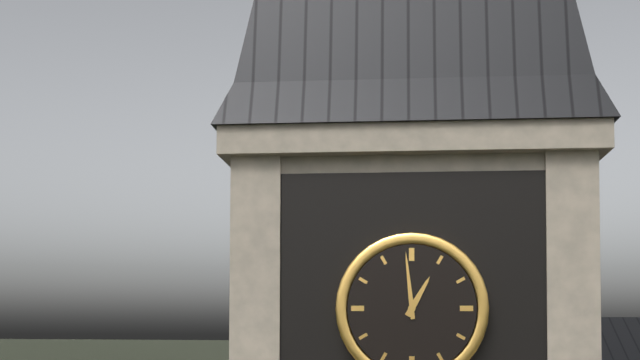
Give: 12:59
